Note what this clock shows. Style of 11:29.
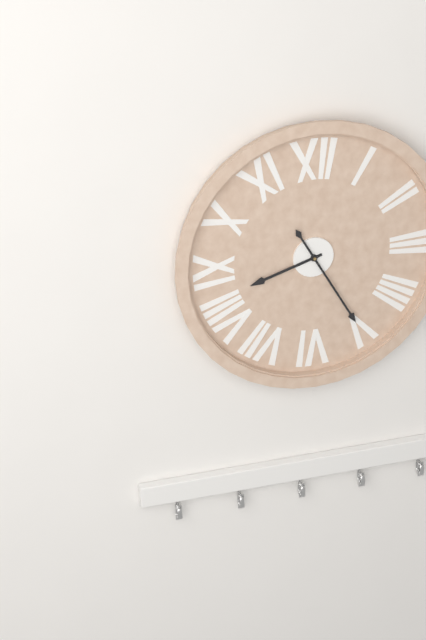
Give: 8:25
